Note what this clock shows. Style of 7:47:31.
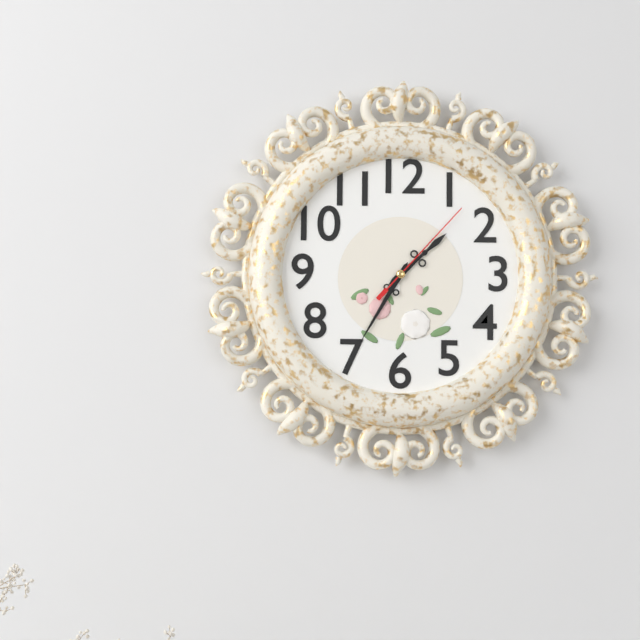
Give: 1:35:07
